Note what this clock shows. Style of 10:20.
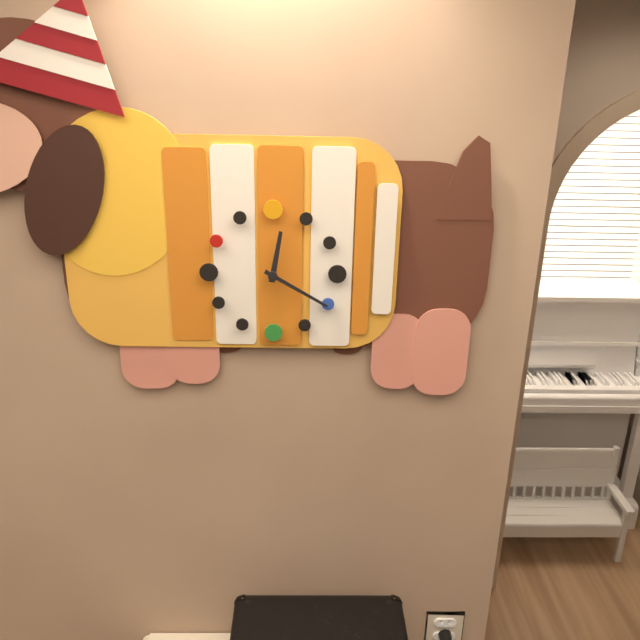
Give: 12:20
